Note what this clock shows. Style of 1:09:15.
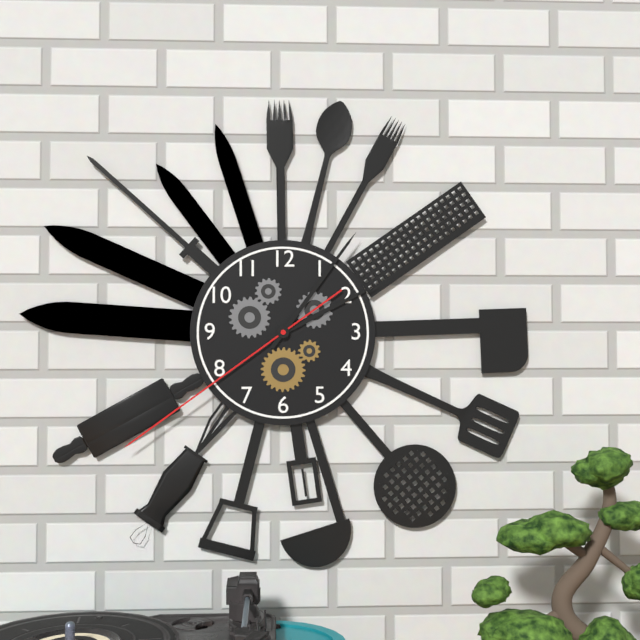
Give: 2:06:39
